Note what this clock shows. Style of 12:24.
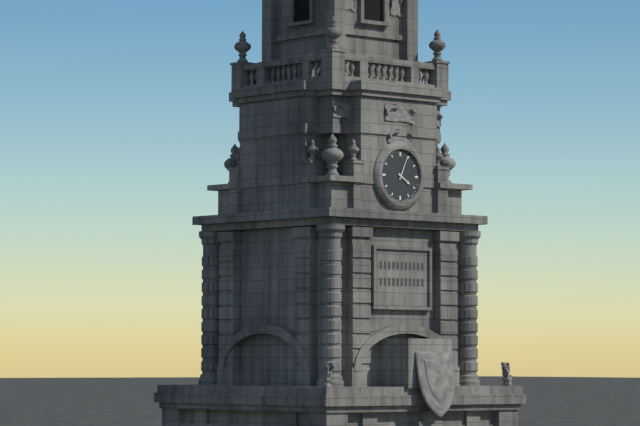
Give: 4:04
